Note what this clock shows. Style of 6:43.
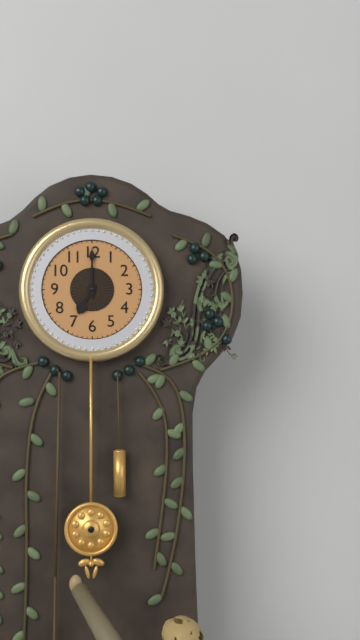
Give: 7:00
